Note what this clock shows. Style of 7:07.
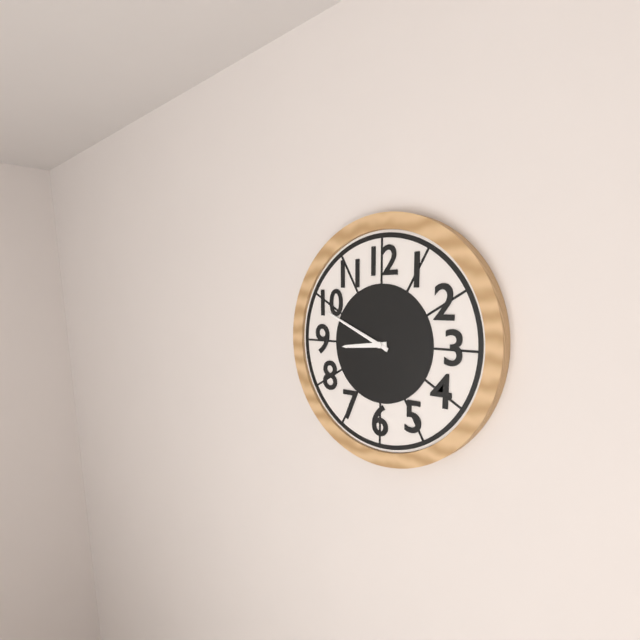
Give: 8:49
